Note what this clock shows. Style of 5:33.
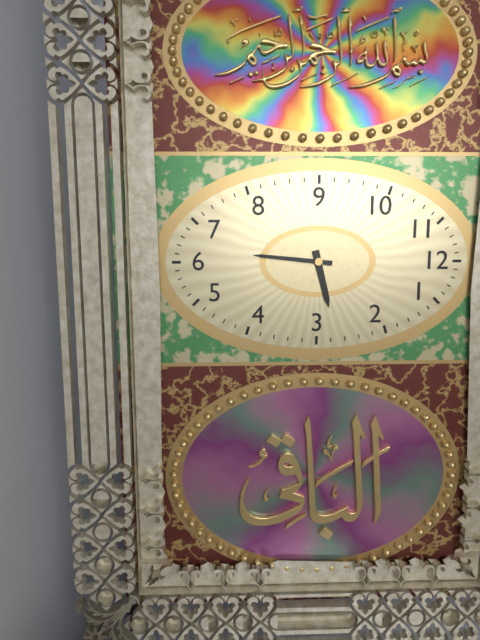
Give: 2:31
